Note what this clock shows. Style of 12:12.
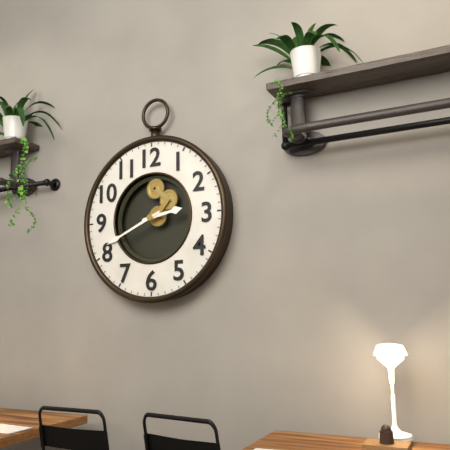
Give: 2:41
